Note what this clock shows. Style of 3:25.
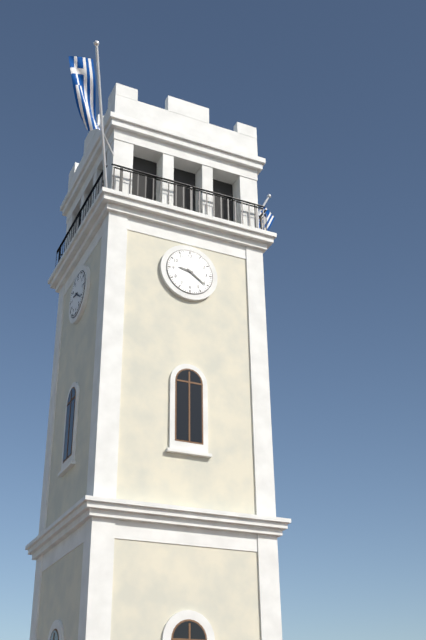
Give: 9:21
